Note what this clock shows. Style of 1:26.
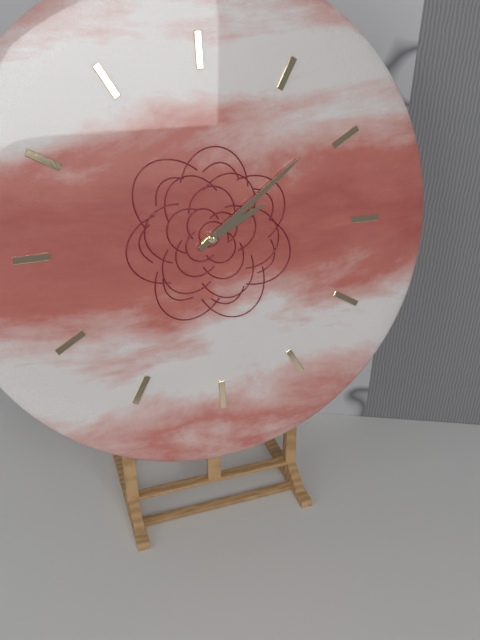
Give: 2:09
